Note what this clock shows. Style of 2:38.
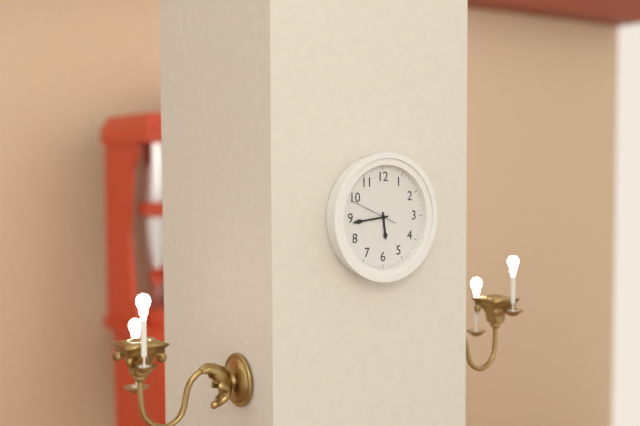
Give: 5:44
